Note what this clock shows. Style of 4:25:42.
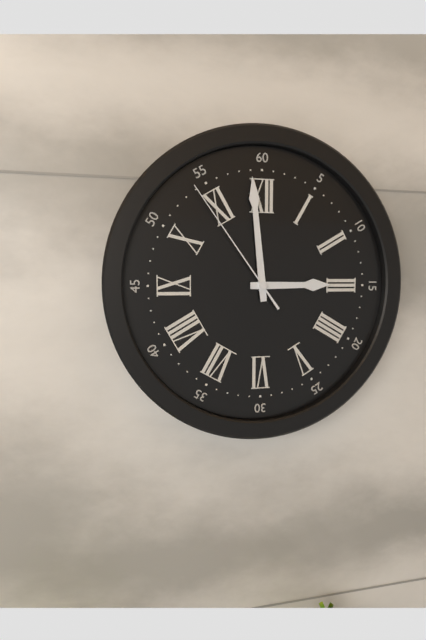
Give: 2:59:54
